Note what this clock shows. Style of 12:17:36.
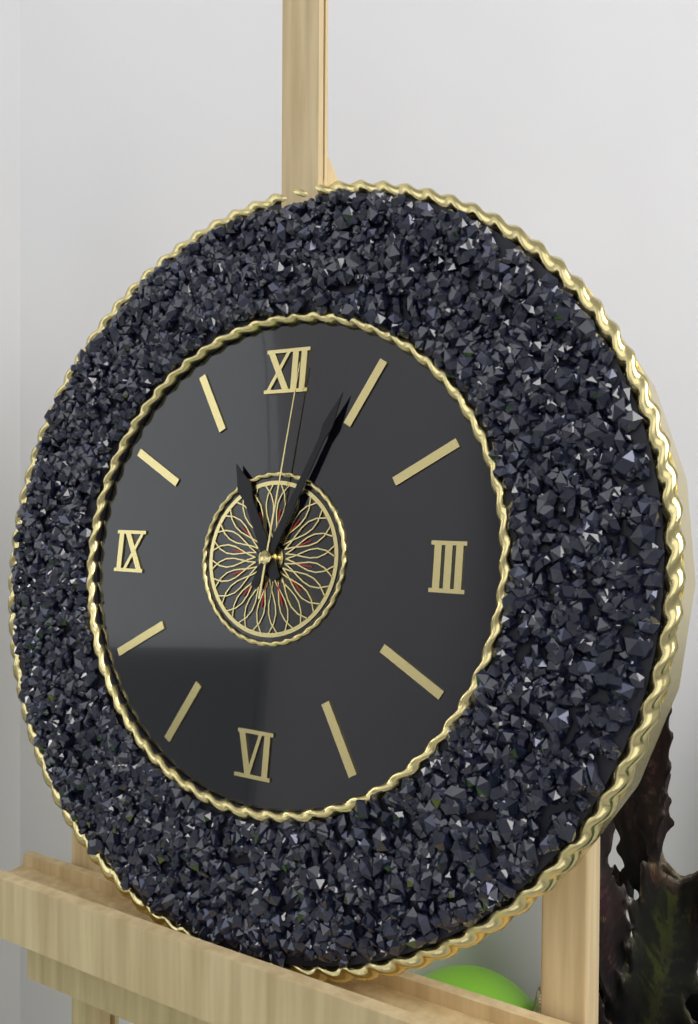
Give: 11:04:01
